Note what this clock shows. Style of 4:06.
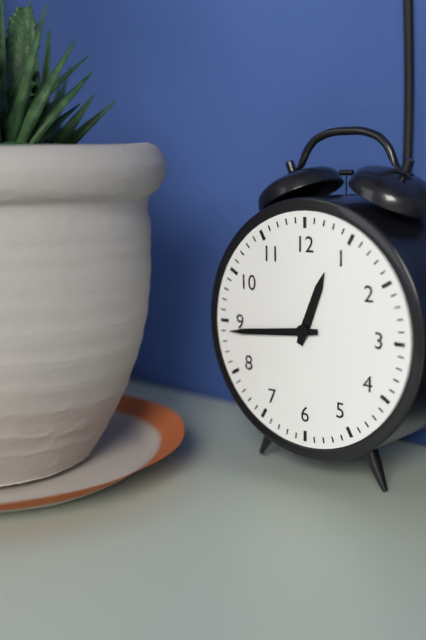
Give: 12:44
